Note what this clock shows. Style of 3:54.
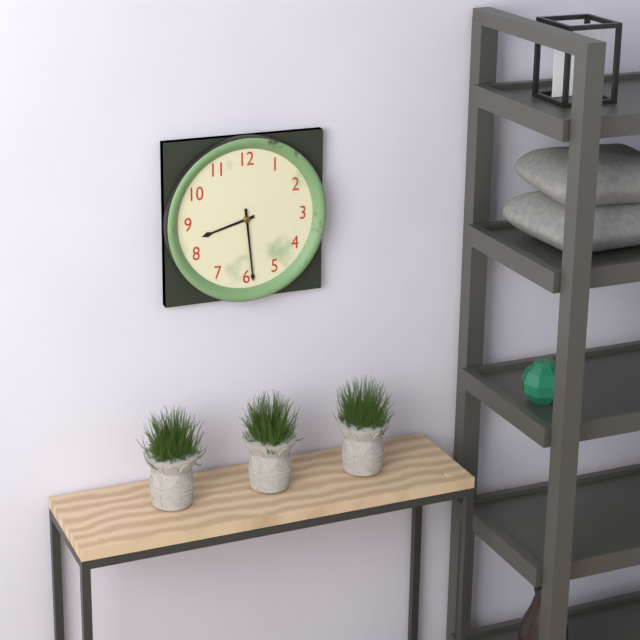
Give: 8:29
